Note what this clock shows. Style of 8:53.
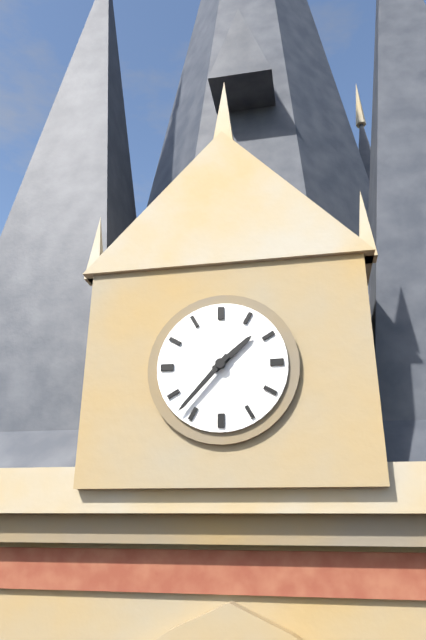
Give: 1:37
